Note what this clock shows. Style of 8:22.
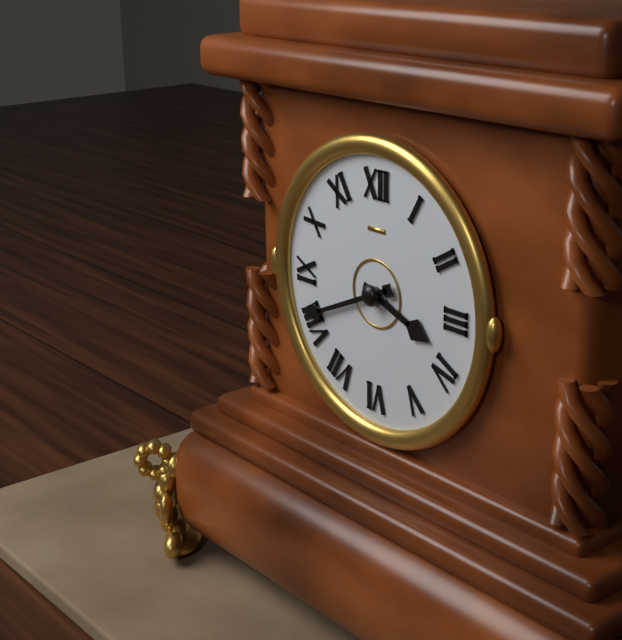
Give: 3:41
